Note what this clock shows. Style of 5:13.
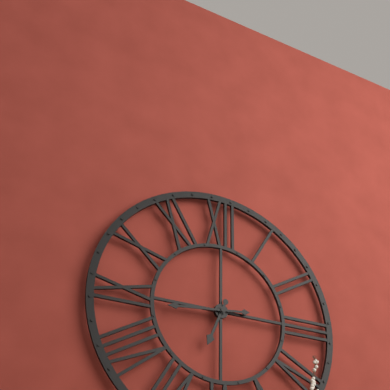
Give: 6:44
